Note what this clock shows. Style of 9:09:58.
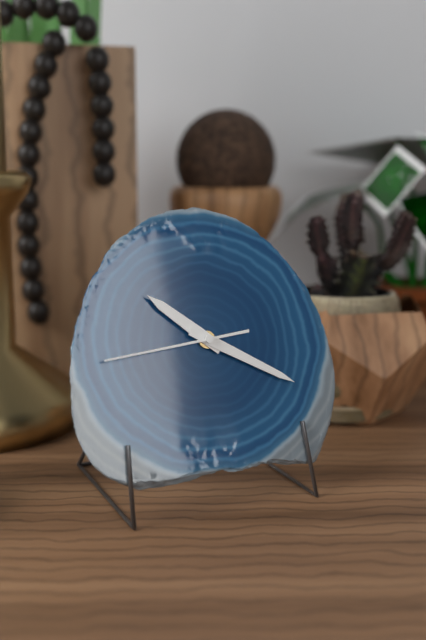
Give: 10:20:44
